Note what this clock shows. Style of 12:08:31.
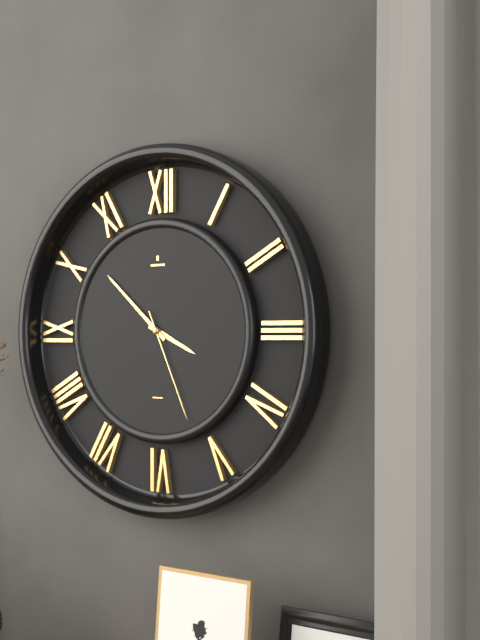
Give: 3:52:26
